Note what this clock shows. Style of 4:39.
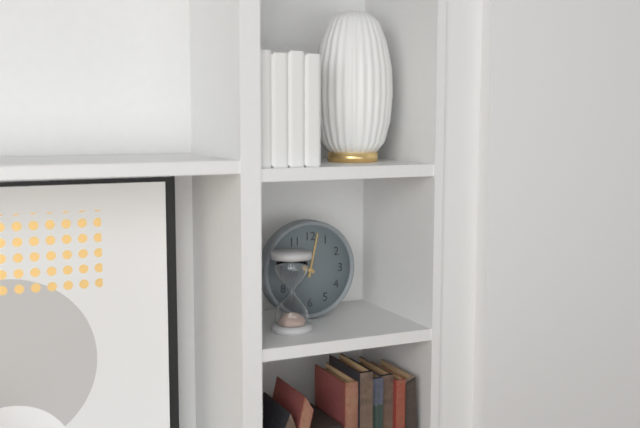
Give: 10:02
